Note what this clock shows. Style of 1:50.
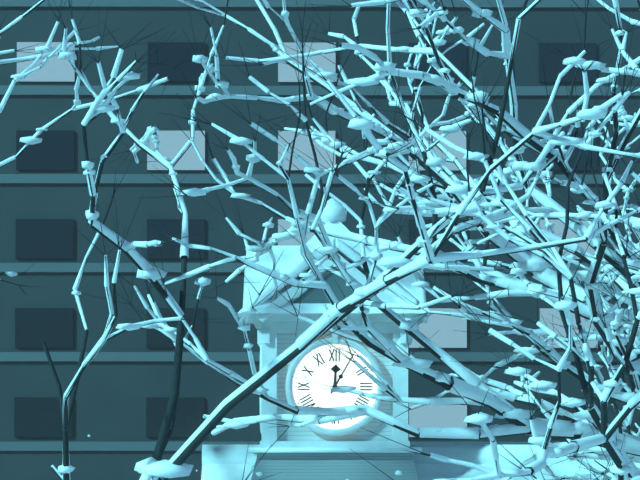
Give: 12:05
